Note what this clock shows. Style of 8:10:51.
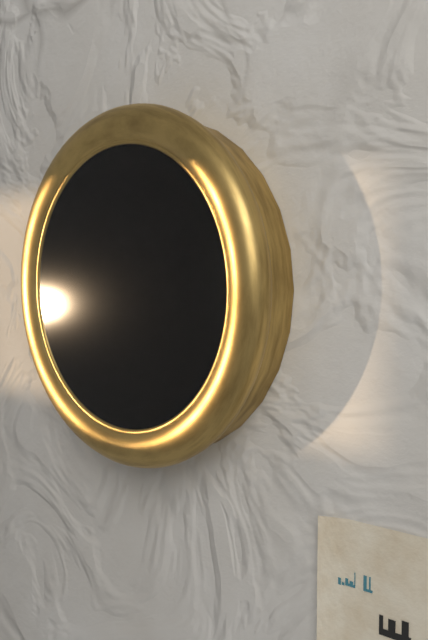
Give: 2:26:24
